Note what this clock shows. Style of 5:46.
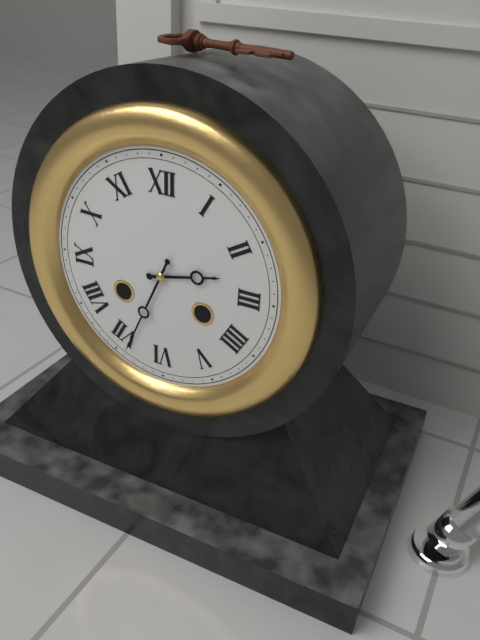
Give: 2:34
